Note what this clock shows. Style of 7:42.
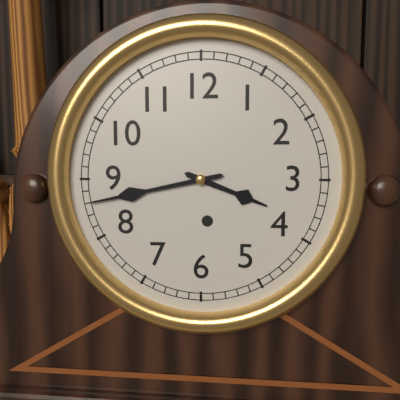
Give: 3:43
